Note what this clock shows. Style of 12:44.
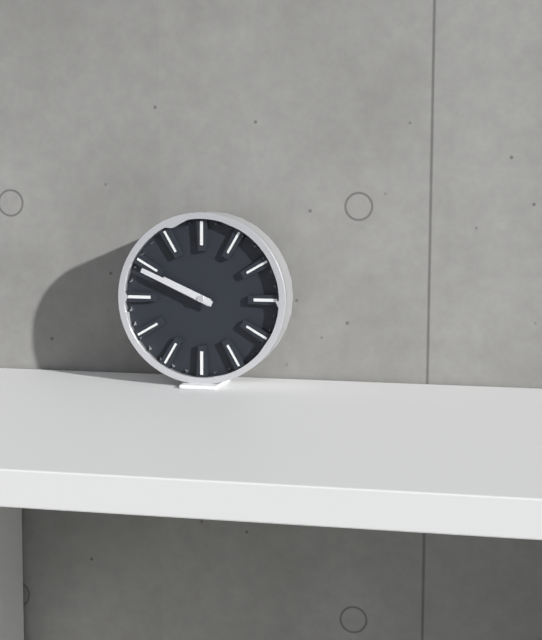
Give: 9:49
